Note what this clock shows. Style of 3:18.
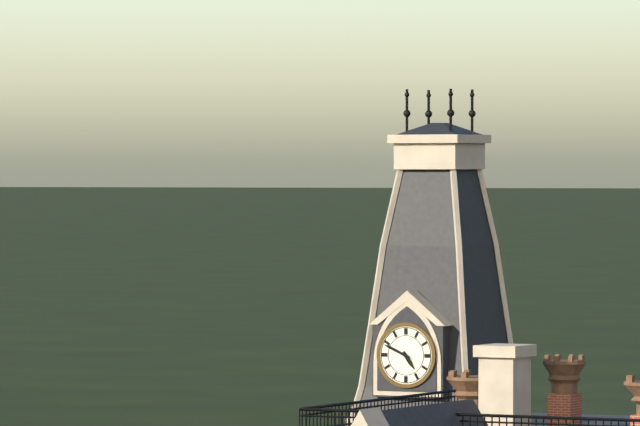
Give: 4:49
